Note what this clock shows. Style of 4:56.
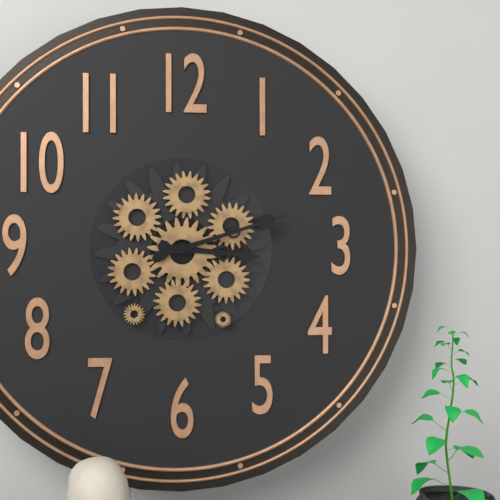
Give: 3:12
